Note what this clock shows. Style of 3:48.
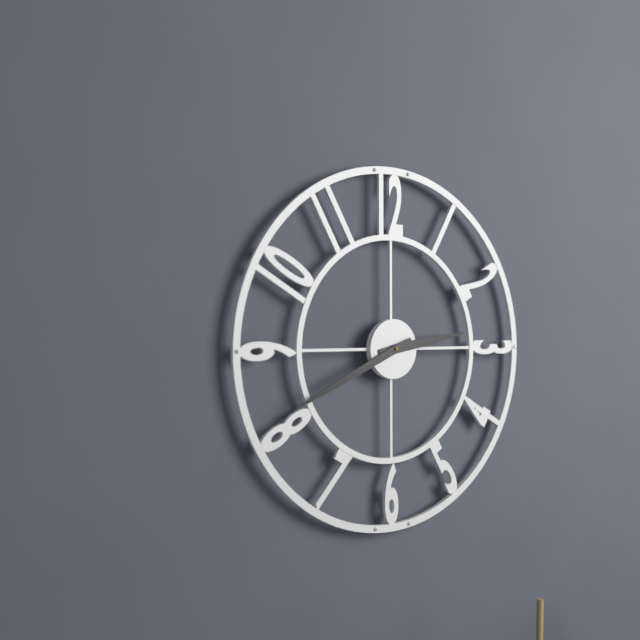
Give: 2:41
